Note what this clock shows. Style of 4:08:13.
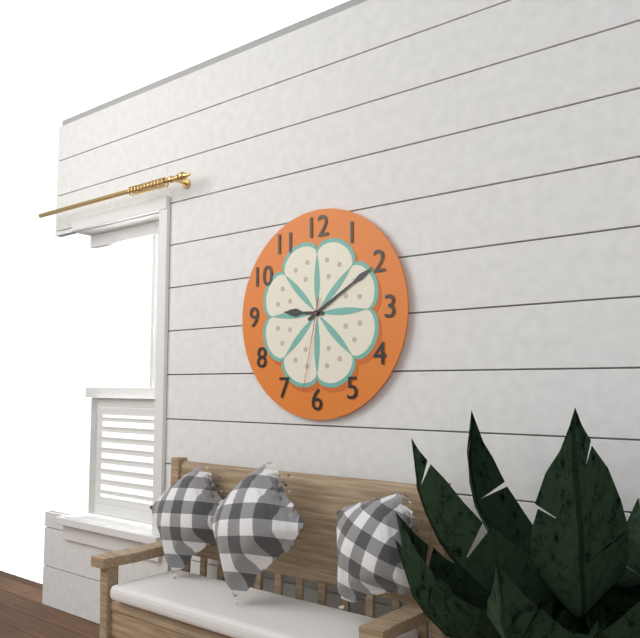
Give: 9:10:32
